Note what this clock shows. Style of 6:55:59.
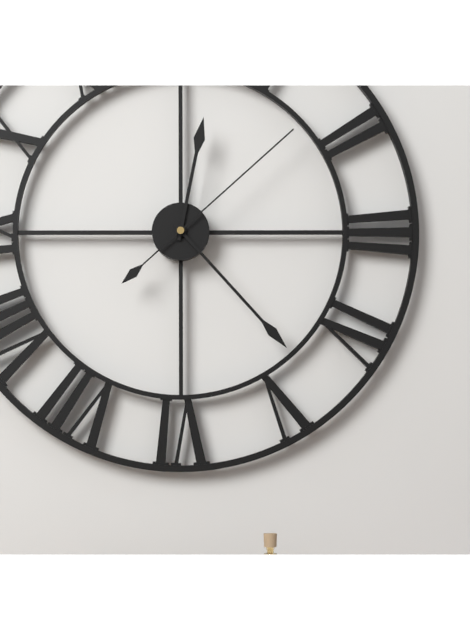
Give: 12:23:08
